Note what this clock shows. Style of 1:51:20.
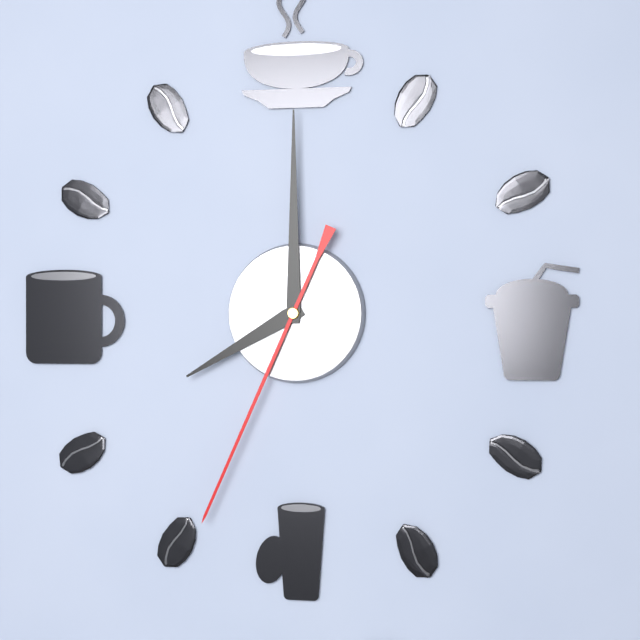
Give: 8:00:34
